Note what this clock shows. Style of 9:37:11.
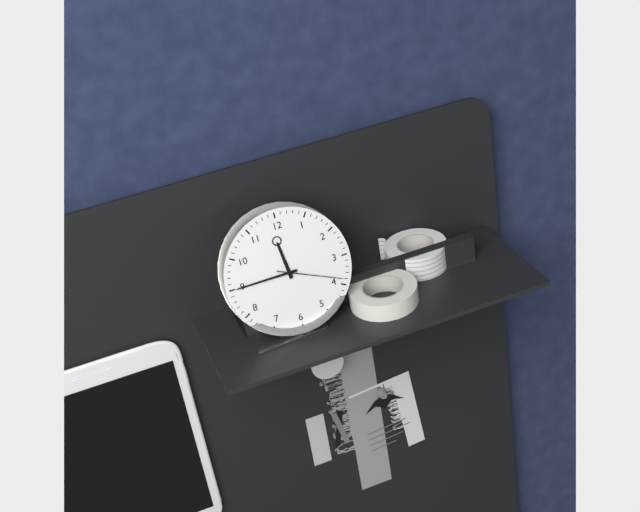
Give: 11:45:19
